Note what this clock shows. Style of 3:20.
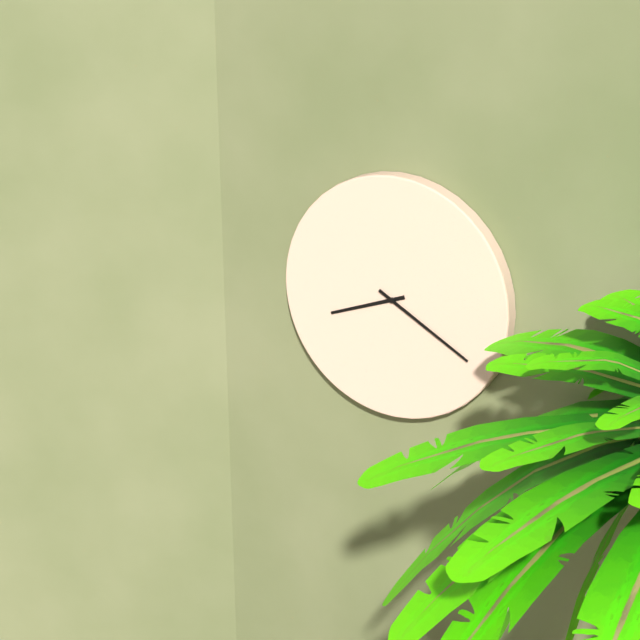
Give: 8:20
